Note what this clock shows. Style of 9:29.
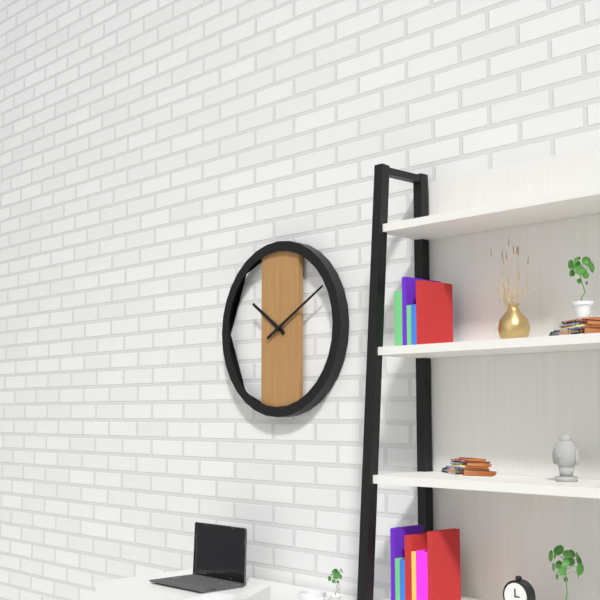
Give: 10:10
